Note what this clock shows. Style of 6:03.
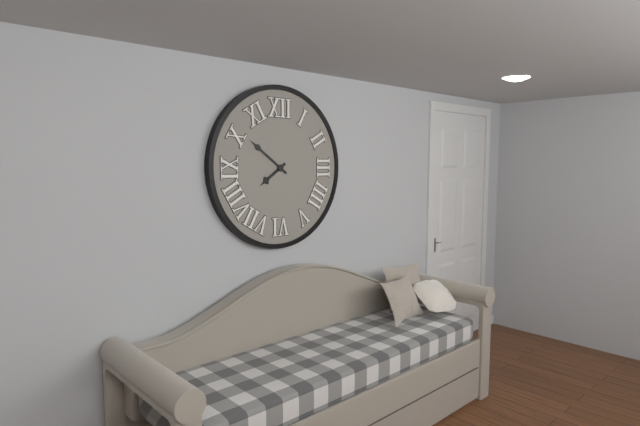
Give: 7:51
